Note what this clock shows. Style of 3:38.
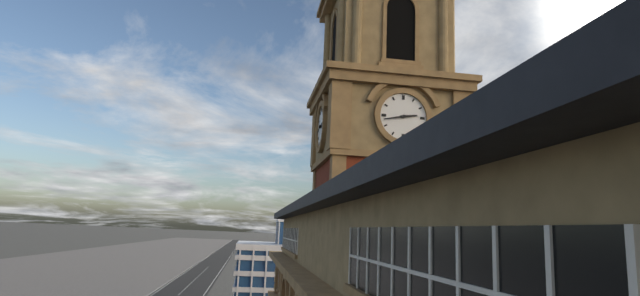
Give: 2:43
